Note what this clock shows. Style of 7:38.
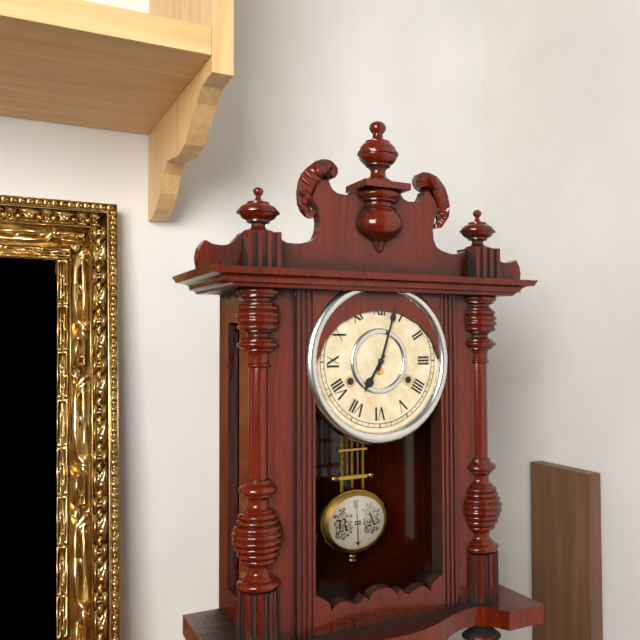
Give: 7:03
